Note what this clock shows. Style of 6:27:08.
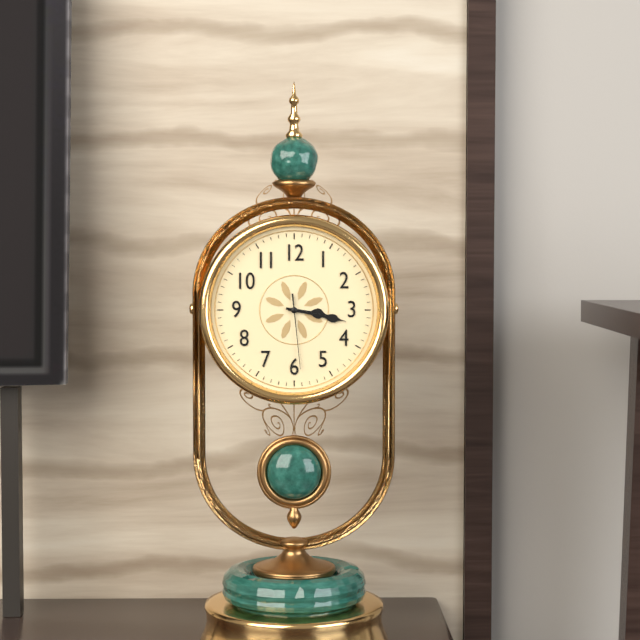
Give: 3:17:29
